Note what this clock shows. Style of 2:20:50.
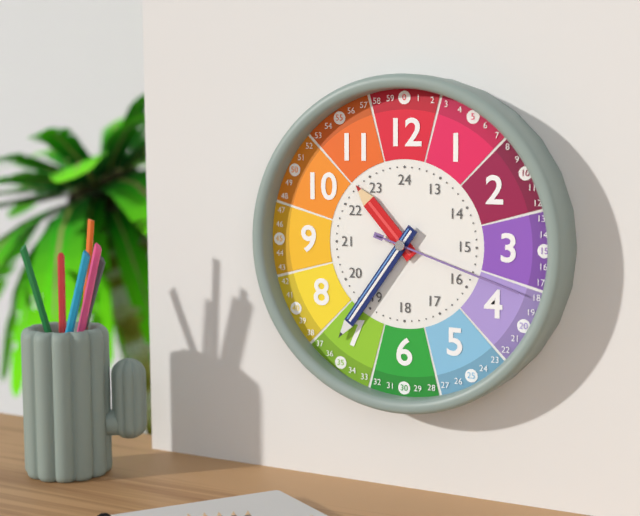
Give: 10:36:18
